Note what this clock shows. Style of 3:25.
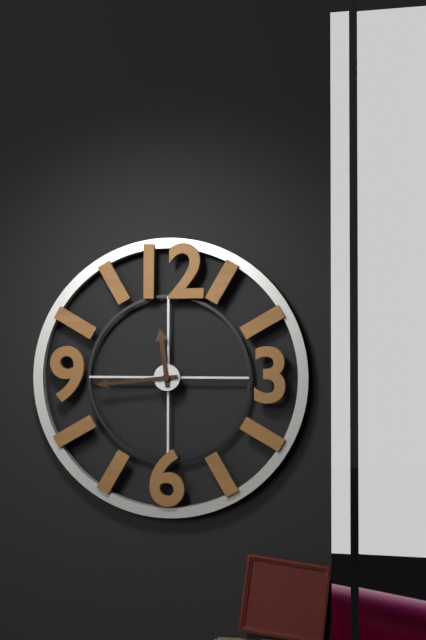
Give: 11:44
